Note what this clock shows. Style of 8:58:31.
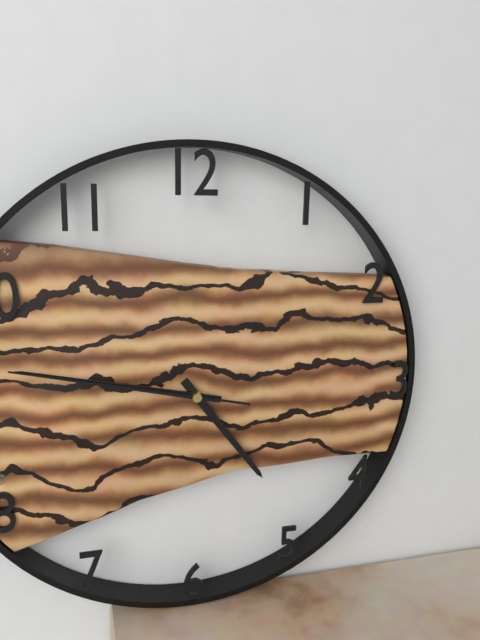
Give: 4:47:47
